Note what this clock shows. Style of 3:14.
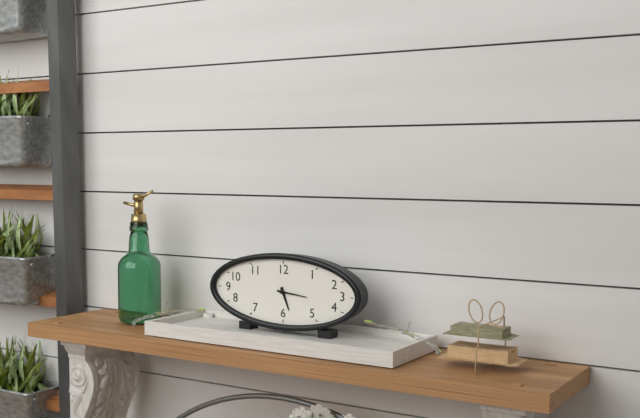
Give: 5:16
